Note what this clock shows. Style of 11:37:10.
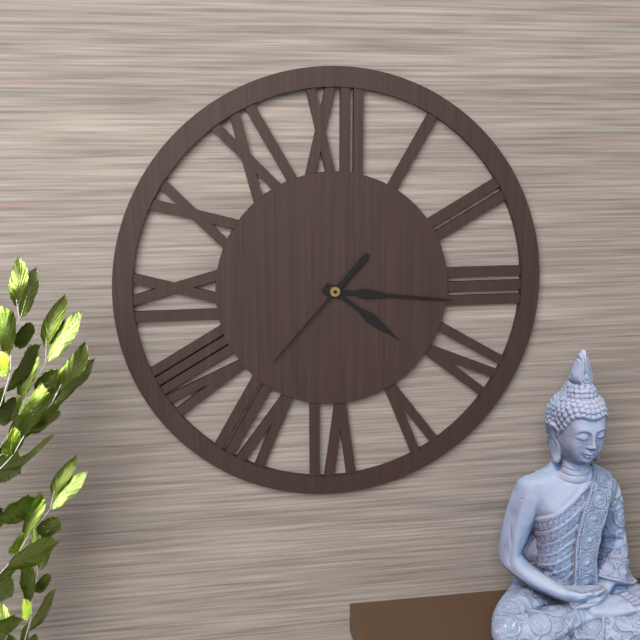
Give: 4:16:37
